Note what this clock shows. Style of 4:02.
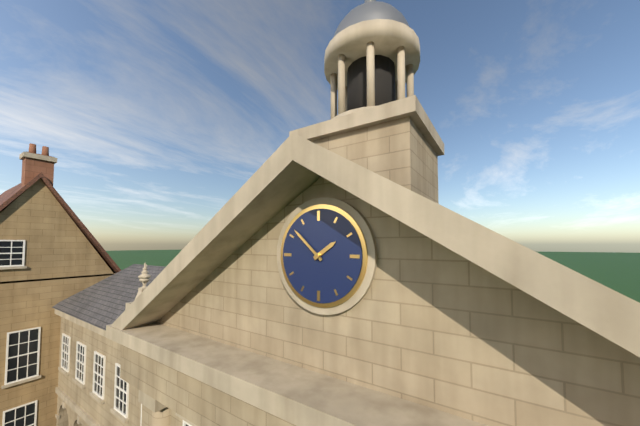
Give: 1:52
